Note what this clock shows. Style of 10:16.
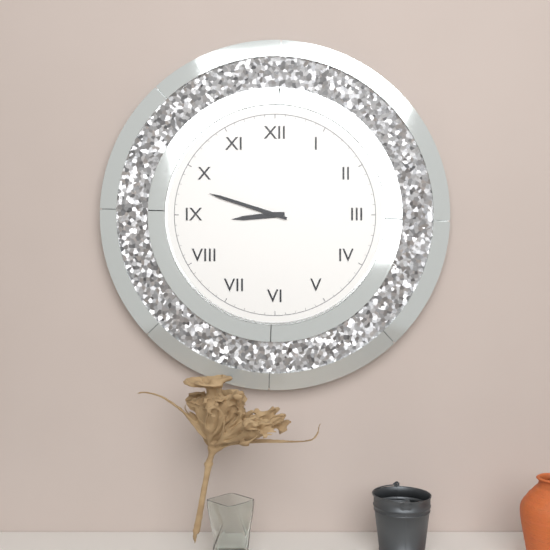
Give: 8:48
